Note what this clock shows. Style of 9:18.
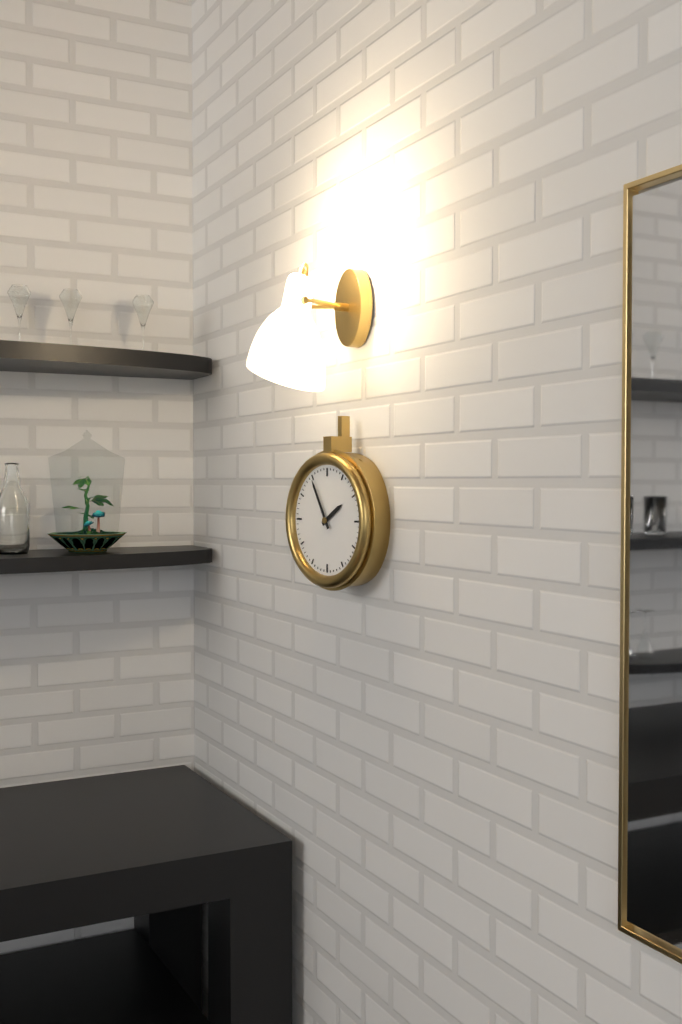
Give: 1:55
